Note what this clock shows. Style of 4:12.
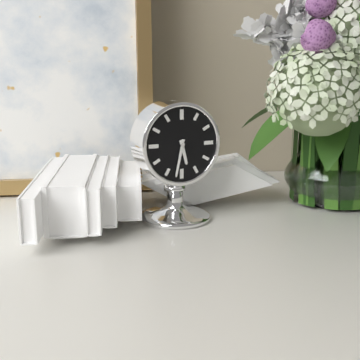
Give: 5:32
